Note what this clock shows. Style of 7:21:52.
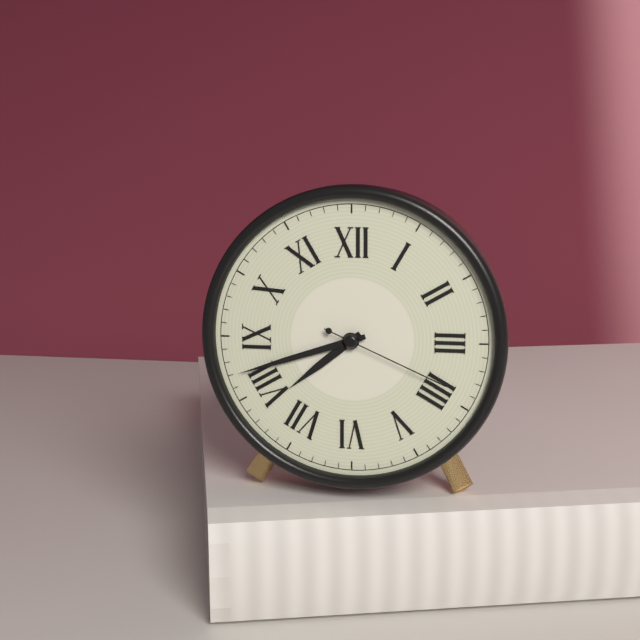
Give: 7:42:19
